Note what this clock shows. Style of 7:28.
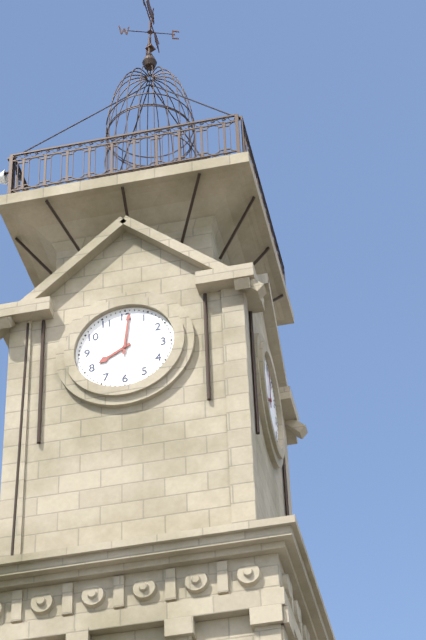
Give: 8:01
